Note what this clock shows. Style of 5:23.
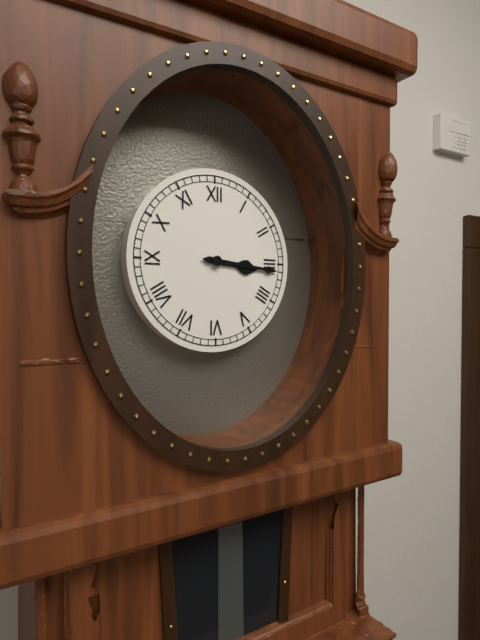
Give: 3:16
